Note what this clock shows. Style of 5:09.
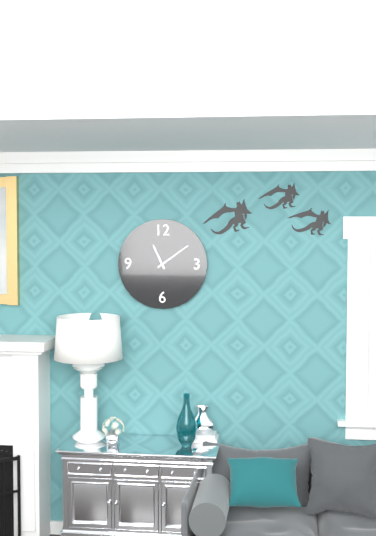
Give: 11:09
